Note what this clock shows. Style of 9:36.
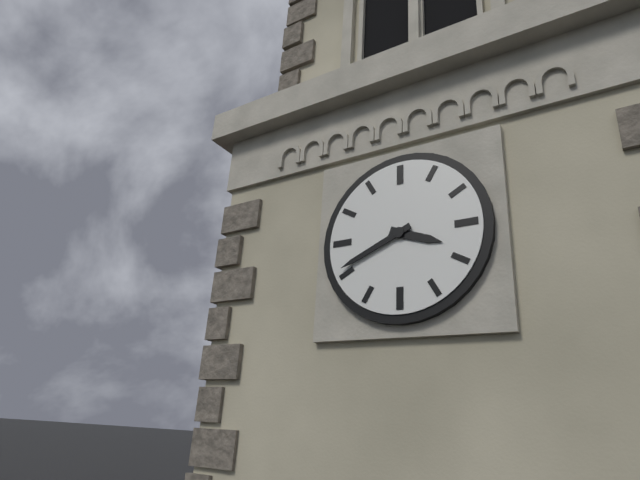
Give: 3:41
